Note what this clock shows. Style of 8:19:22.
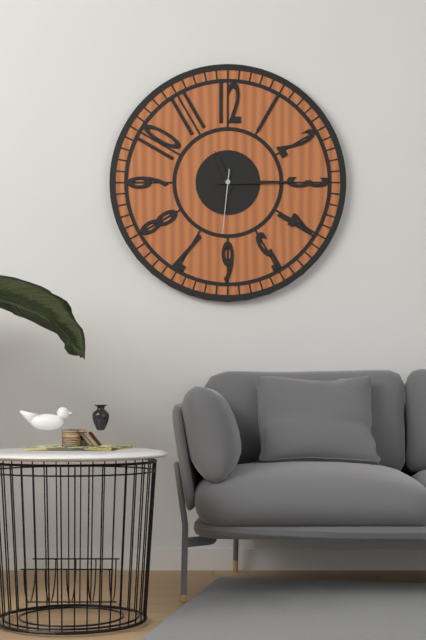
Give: 11:15:31
